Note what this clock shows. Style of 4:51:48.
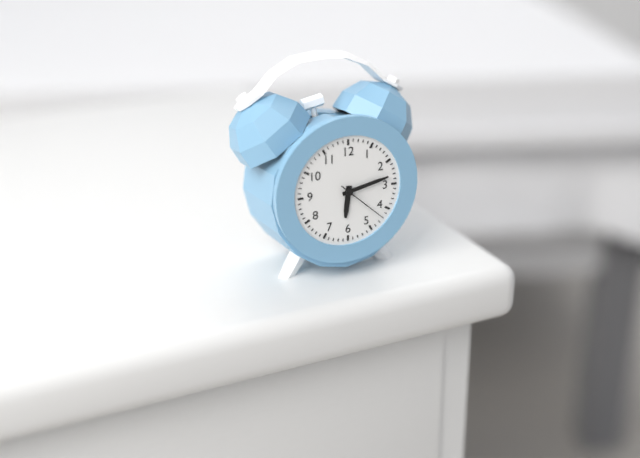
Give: 6:13:22
